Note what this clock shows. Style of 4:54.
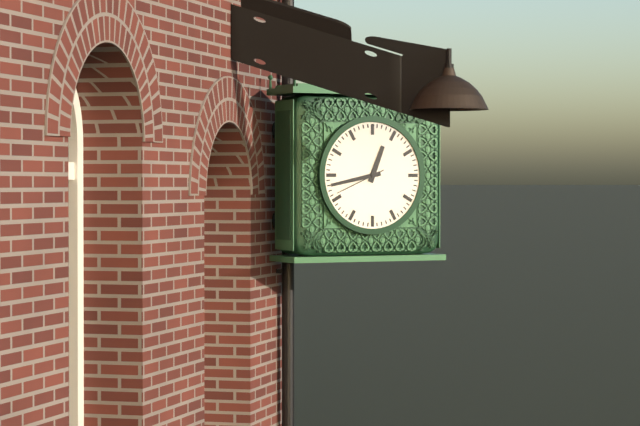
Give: 12:43
